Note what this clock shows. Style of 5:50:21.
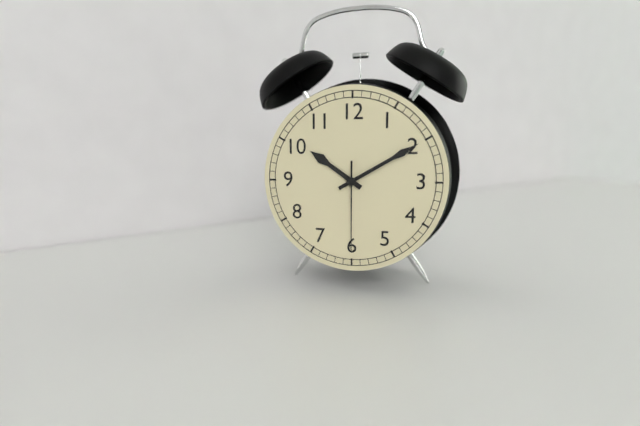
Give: 10:10:30
